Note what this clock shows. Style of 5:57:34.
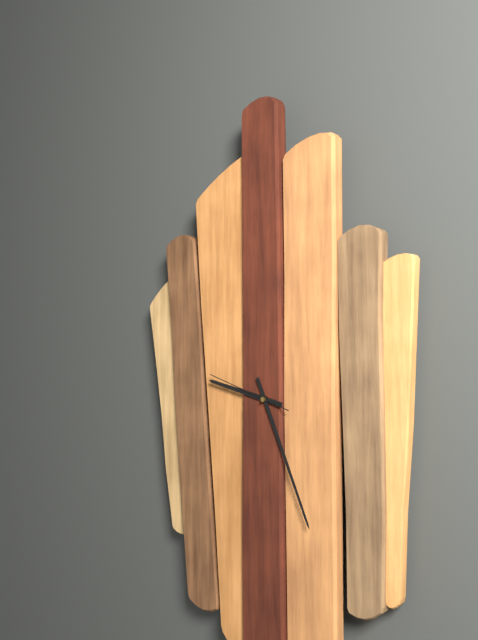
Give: 9:26:48
